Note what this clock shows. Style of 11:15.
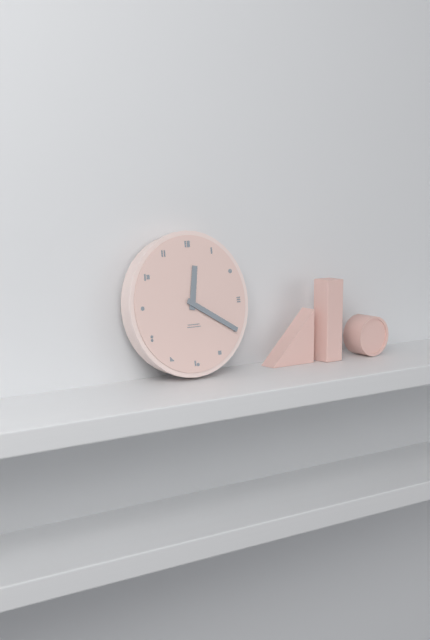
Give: 12:20
